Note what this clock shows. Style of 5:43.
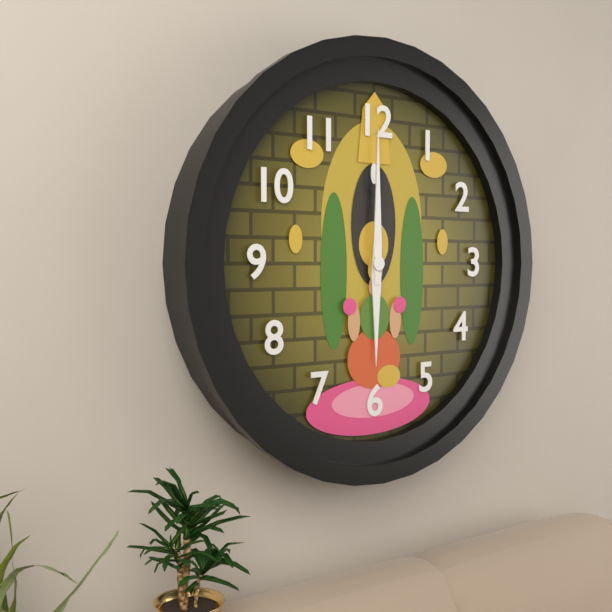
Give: 6:00
